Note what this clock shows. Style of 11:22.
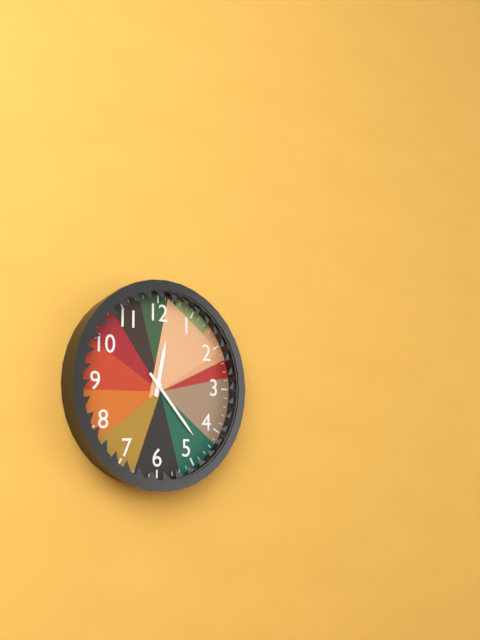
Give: 12:23
